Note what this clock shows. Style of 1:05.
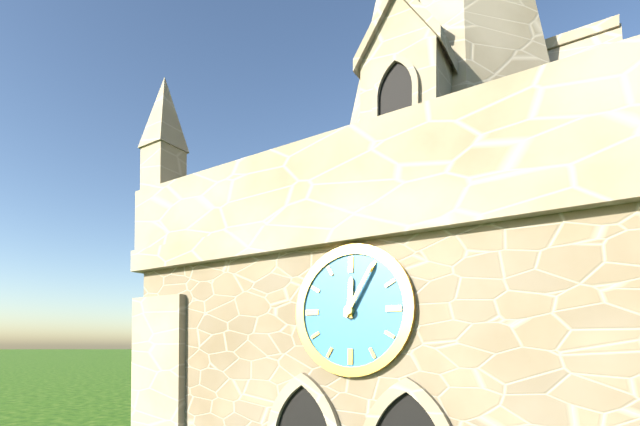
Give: 12:05
